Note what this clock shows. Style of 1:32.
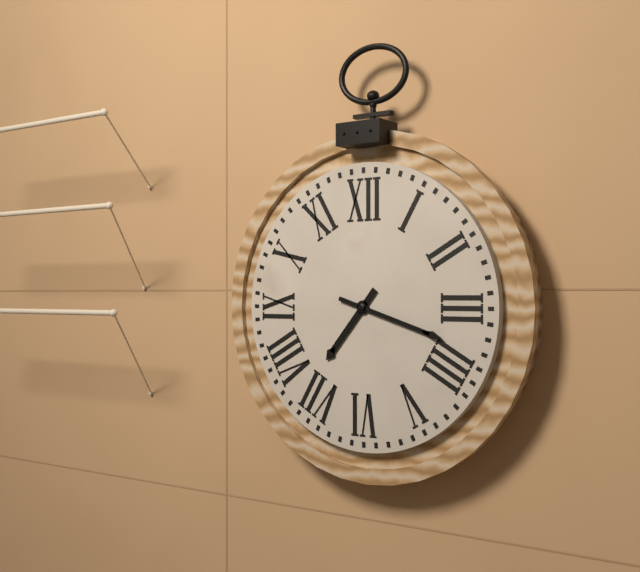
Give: 7:18
